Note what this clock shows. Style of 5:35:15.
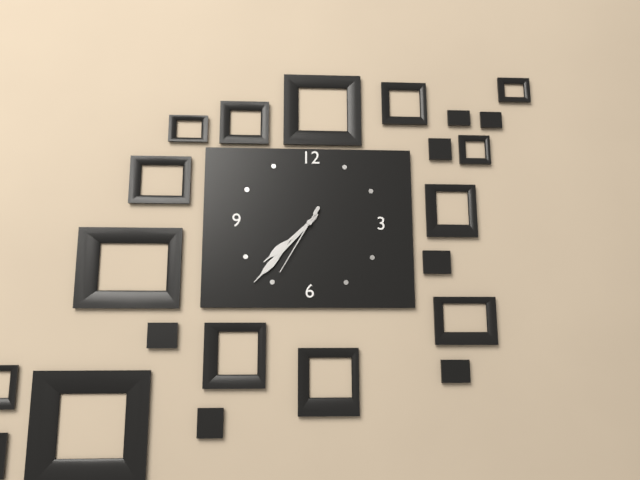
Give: 7:37:35
